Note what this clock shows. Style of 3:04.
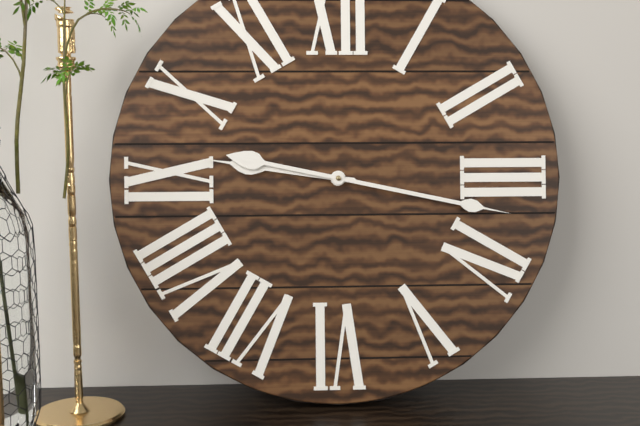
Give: 9:17
